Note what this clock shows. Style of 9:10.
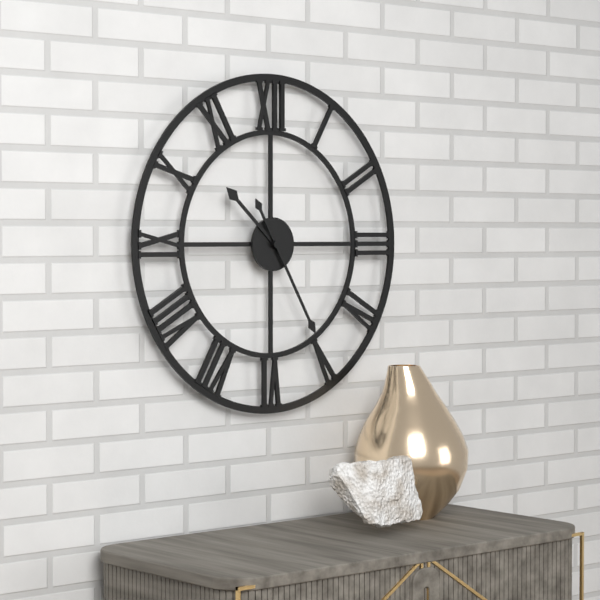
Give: 10:25
